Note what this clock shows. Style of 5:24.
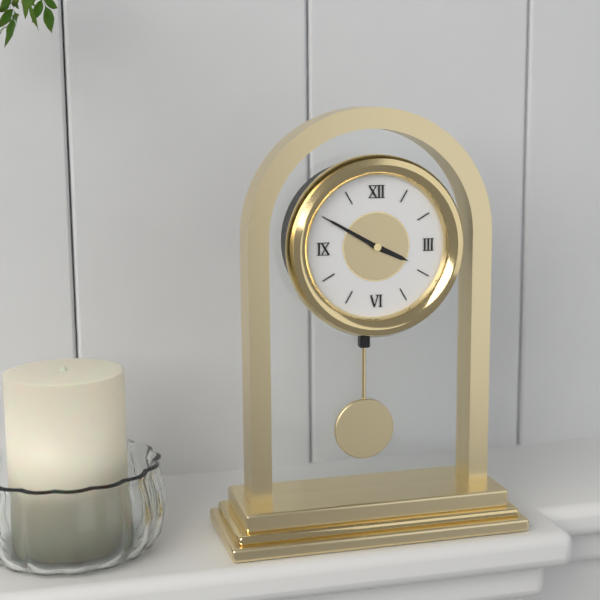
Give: 3:50
